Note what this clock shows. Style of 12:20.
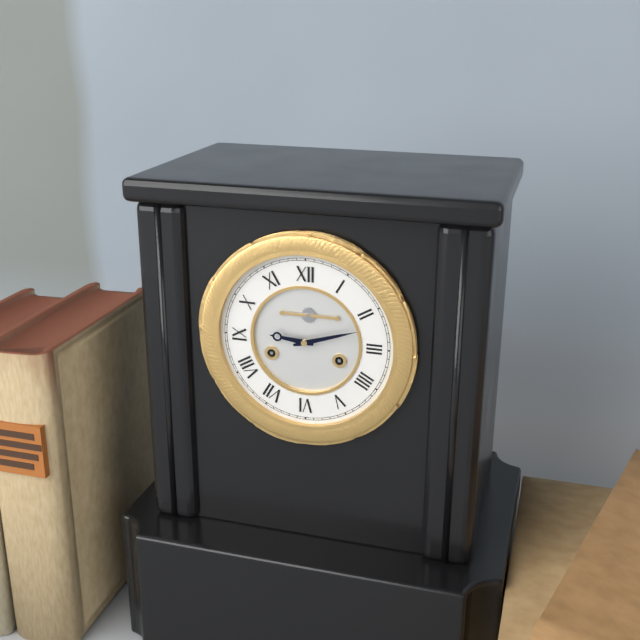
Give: 9:12
